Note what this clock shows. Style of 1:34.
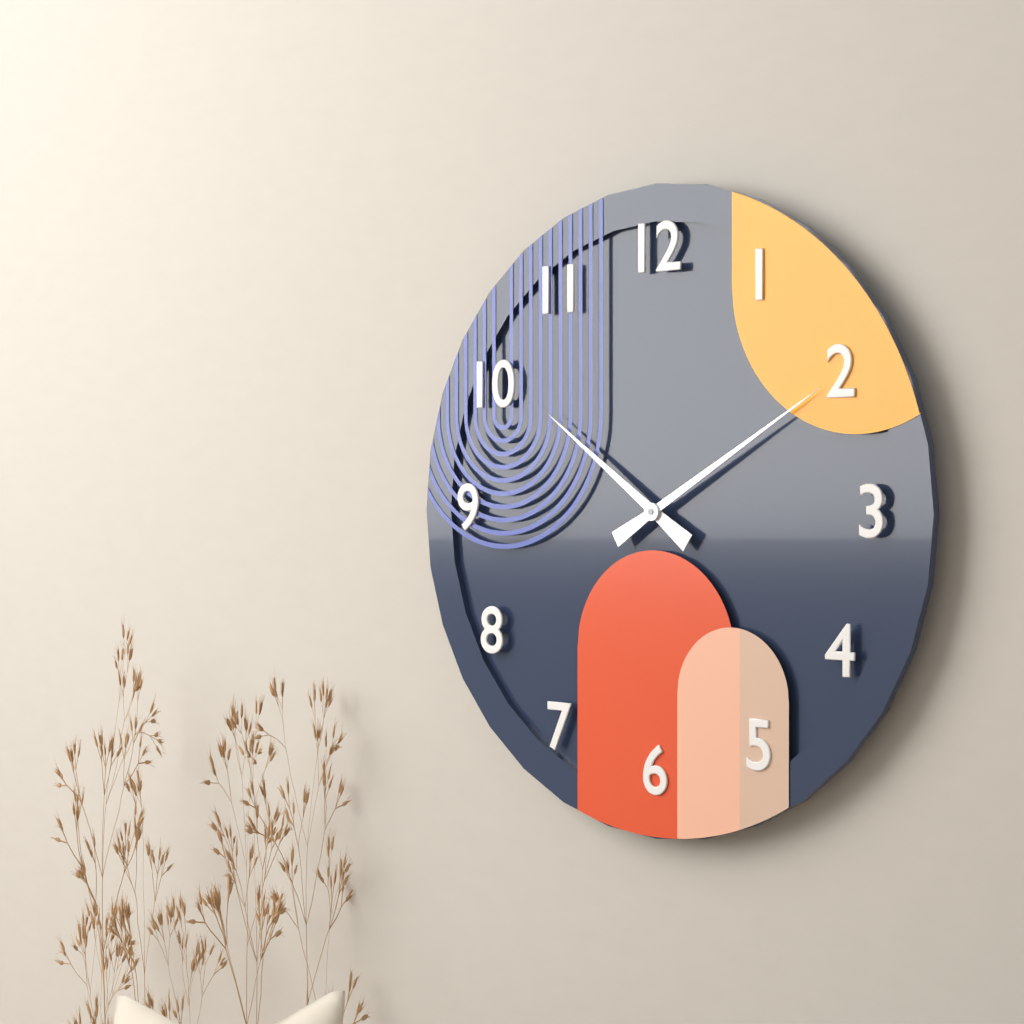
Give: 10:10
